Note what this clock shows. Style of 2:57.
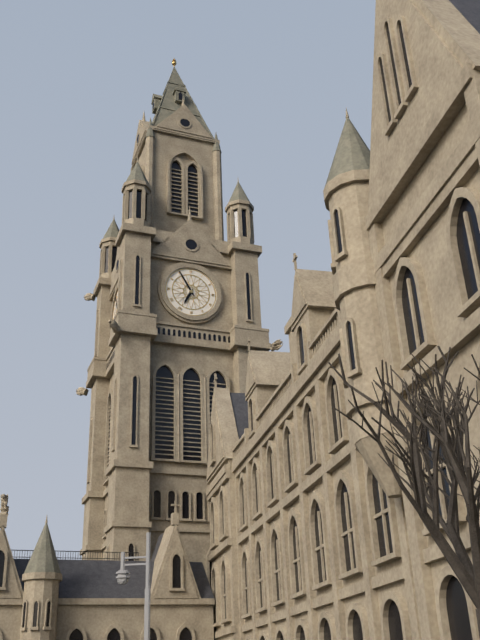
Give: 6:55
